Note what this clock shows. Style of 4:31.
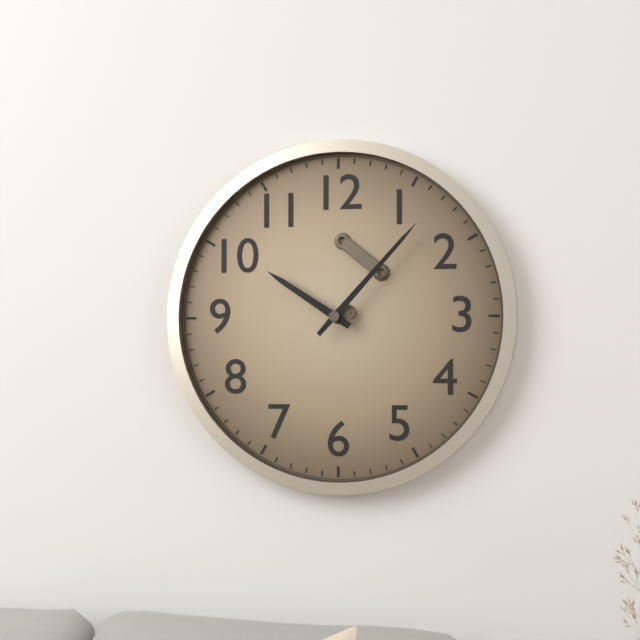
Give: 10:07
